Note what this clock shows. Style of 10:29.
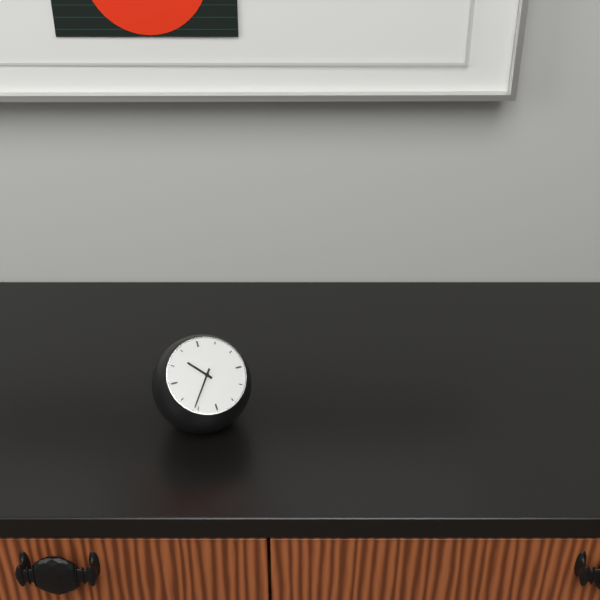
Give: 10:36
